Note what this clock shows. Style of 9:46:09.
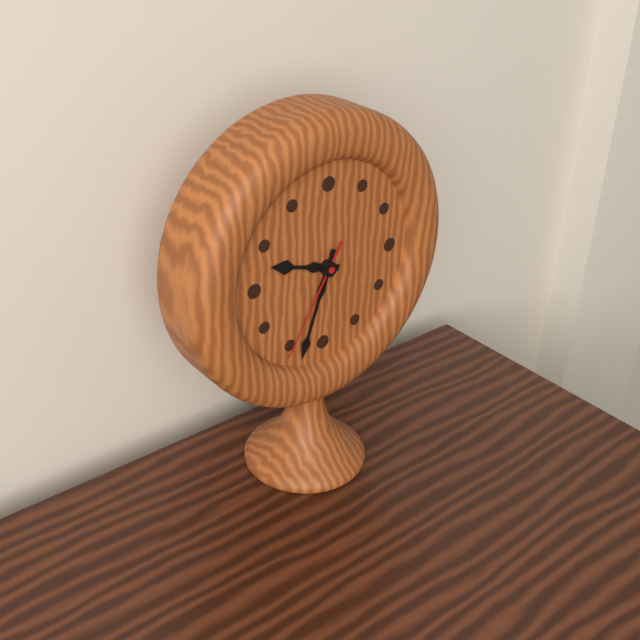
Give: 9:33:35
